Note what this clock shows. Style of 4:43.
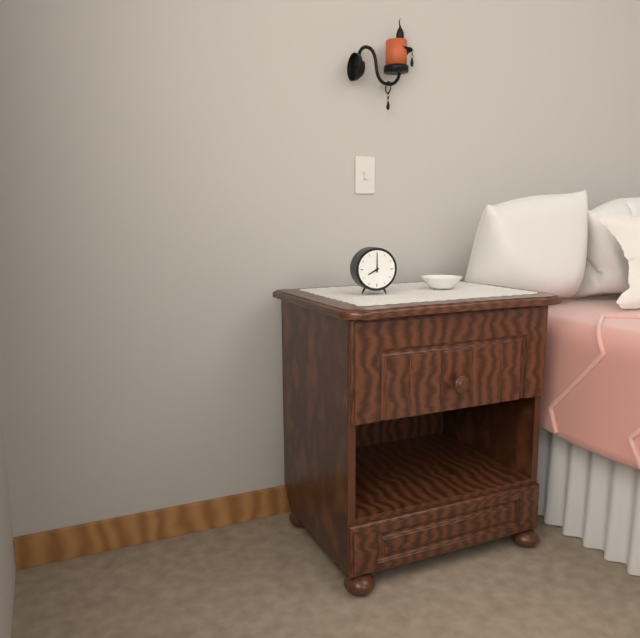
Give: 8:00
